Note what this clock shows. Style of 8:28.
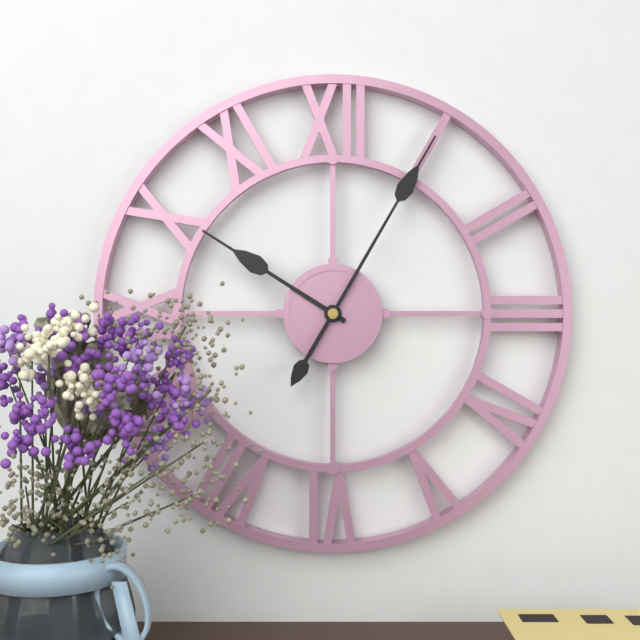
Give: 10:05
